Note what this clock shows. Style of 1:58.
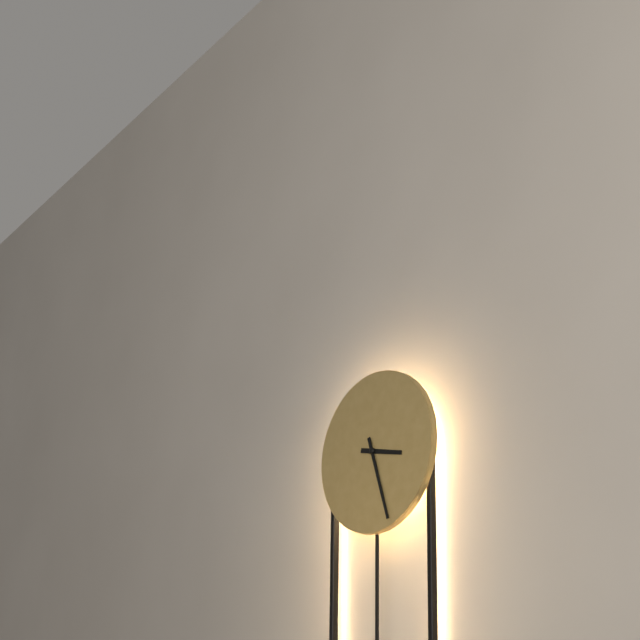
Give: 3:27
